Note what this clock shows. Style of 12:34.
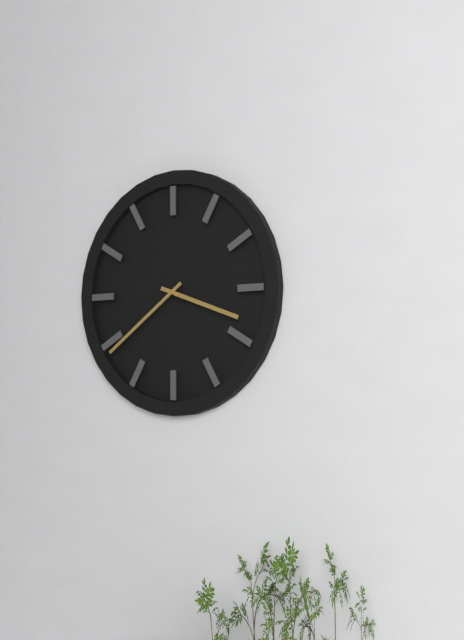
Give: 3:39
